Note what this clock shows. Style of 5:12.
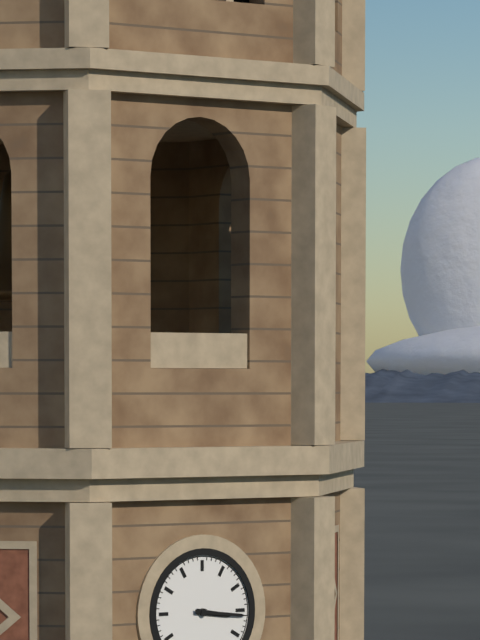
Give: 3:16
